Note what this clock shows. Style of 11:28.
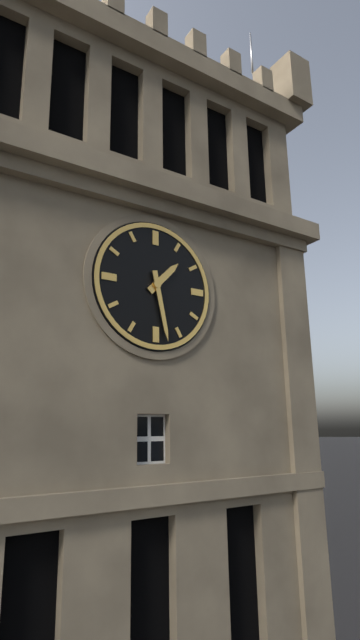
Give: 1:28
